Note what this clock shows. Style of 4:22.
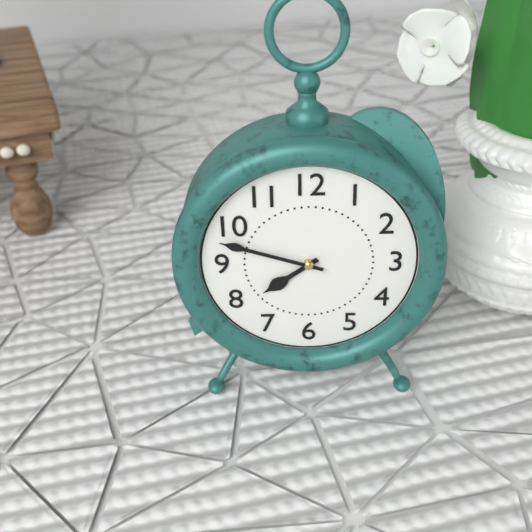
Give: 7:48
